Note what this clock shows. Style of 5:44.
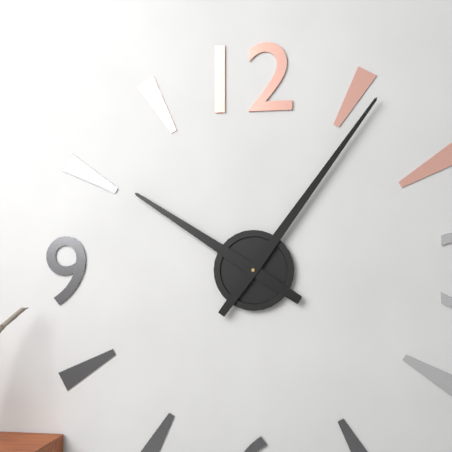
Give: 10:06
